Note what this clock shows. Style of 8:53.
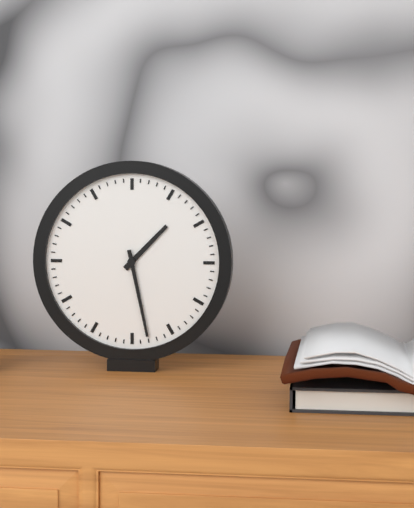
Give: 1:28
